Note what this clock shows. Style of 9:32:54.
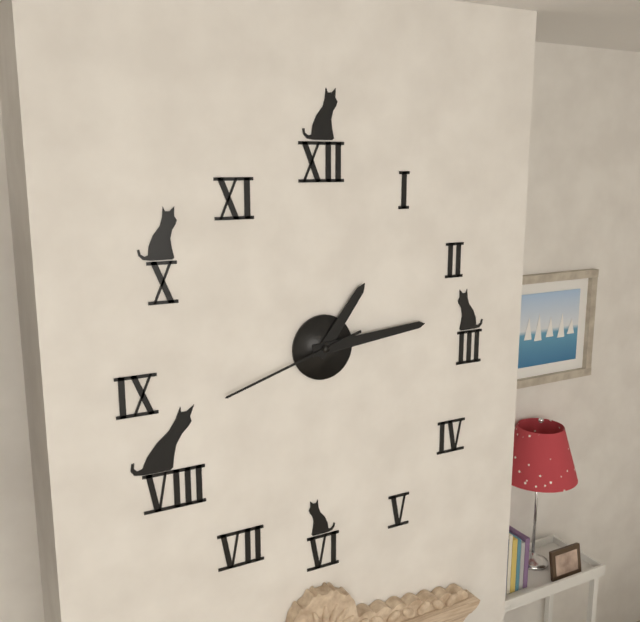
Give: 1:14:42
